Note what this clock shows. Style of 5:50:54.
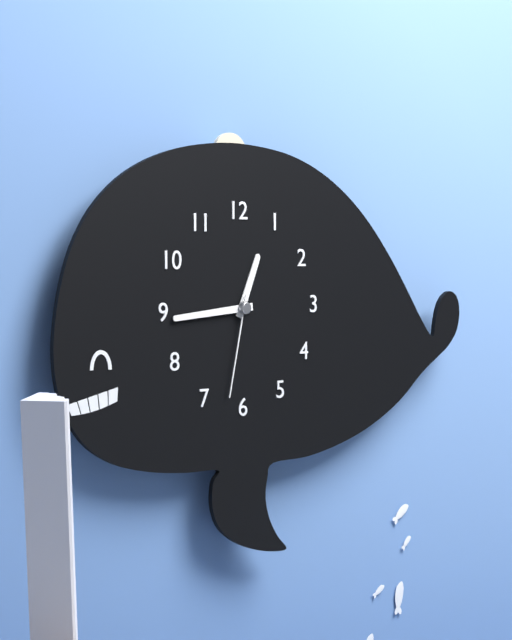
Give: 12:44:32
